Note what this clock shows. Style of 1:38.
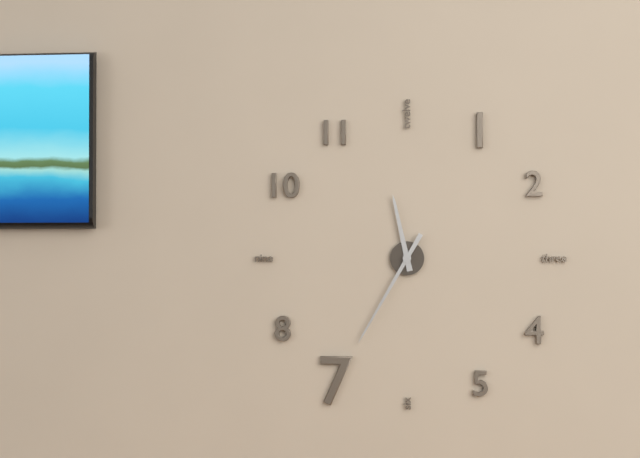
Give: 11:35
